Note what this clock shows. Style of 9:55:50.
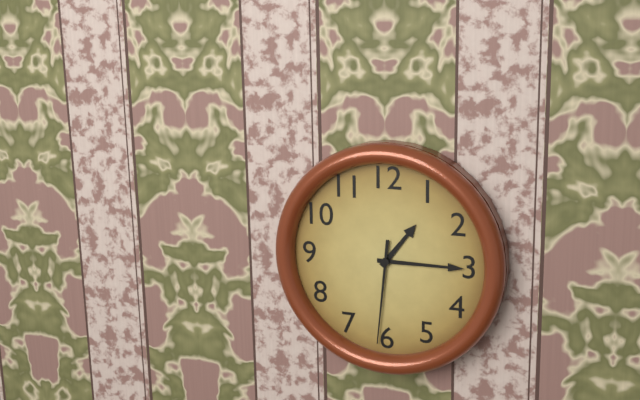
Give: 1:15:31
